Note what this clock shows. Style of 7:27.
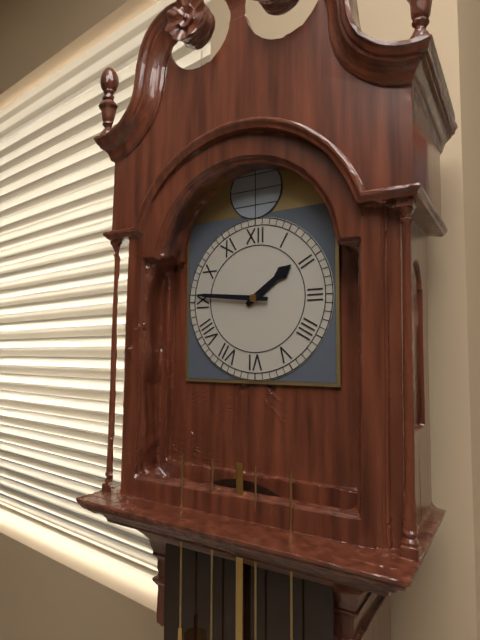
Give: 1:46
